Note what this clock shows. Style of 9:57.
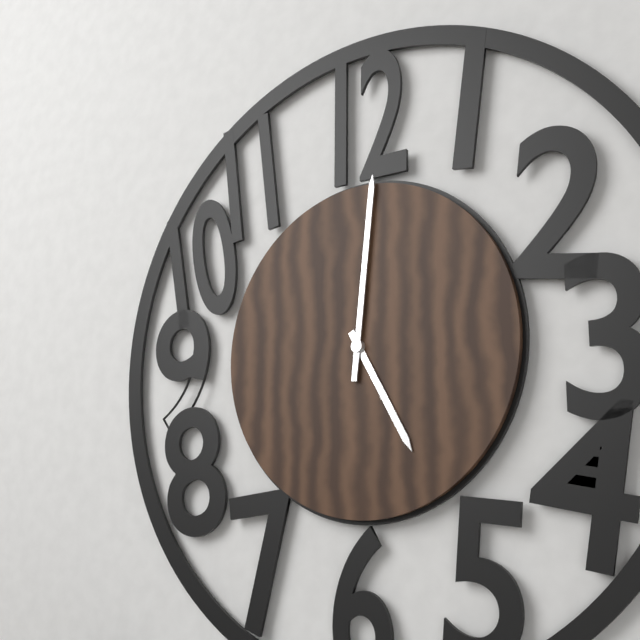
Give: 5:01
